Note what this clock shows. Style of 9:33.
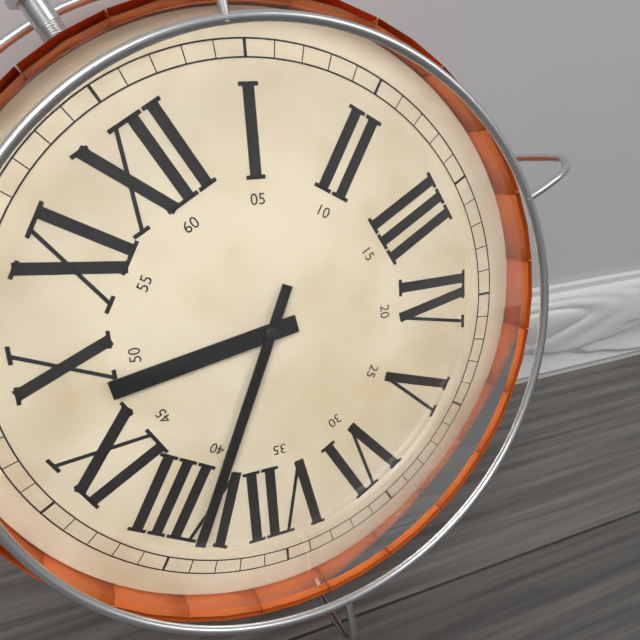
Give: 9:39
